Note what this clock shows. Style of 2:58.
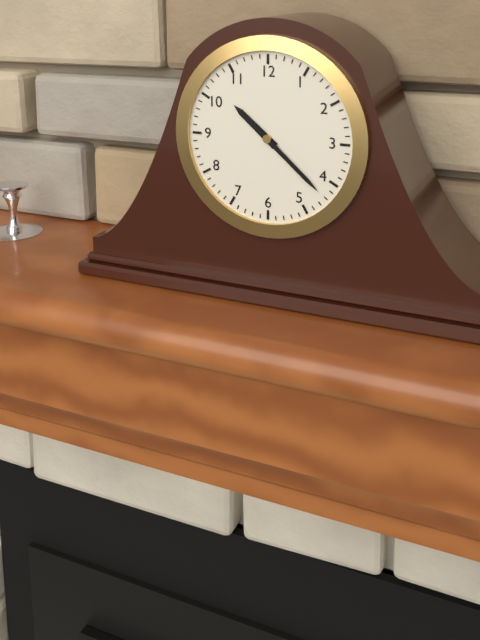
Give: 10:22
